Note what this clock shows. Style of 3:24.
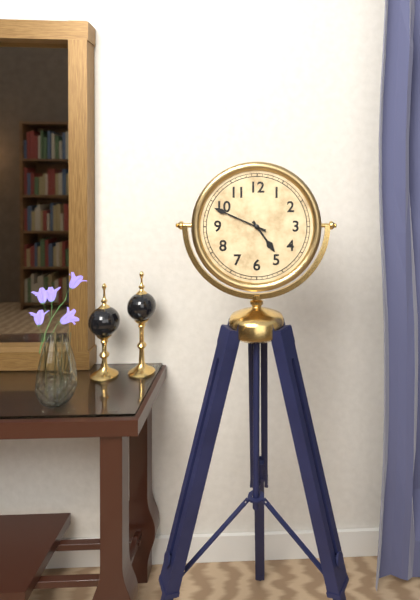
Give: 4:49
